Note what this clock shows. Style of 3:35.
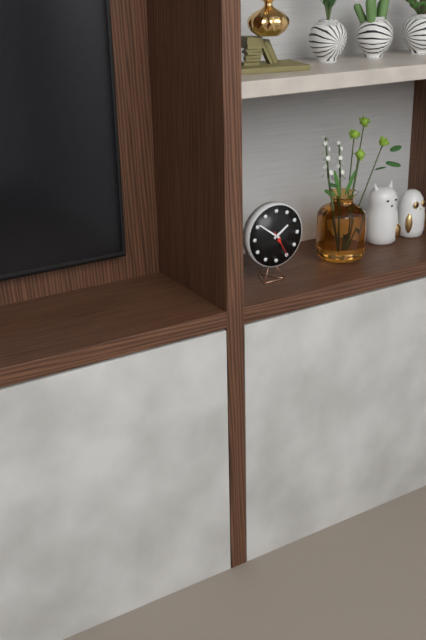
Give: 1:51
